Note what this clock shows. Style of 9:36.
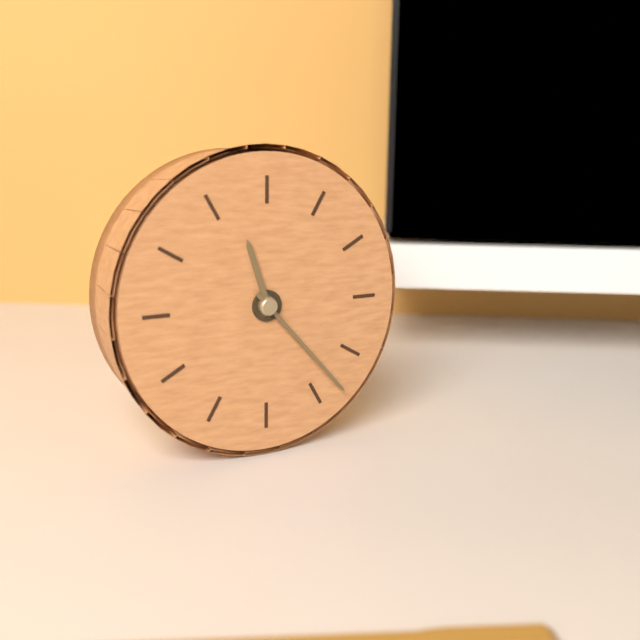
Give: 11:23
